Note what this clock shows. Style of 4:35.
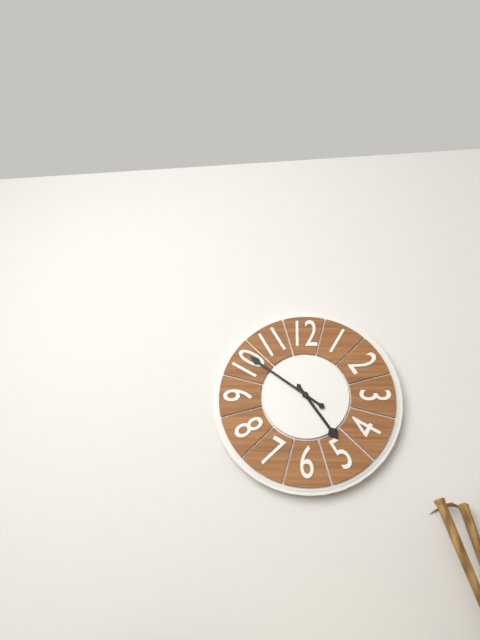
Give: 4:51
